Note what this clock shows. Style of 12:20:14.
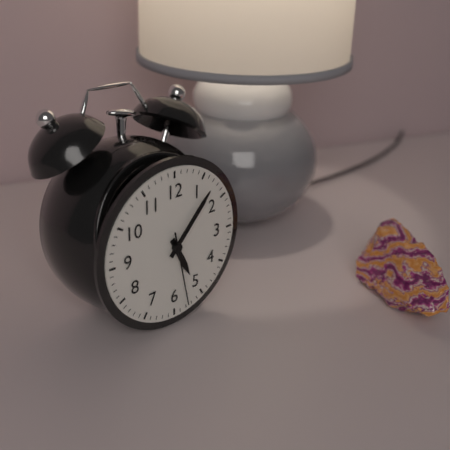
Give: 5:07:28
